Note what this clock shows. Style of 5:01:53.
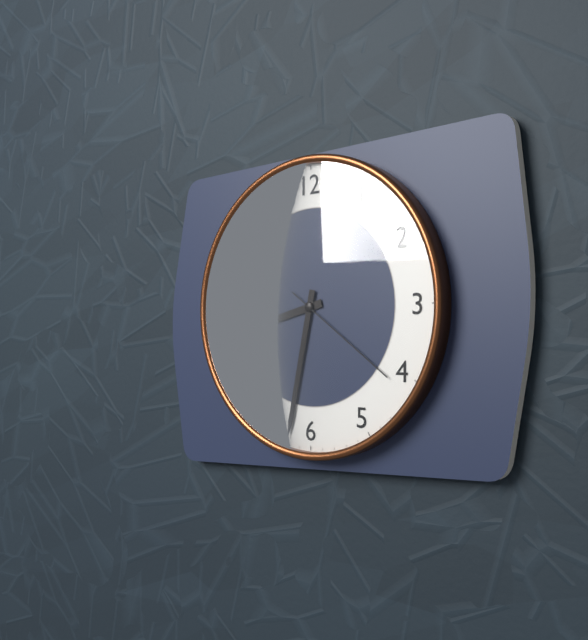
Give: 8:32:21
